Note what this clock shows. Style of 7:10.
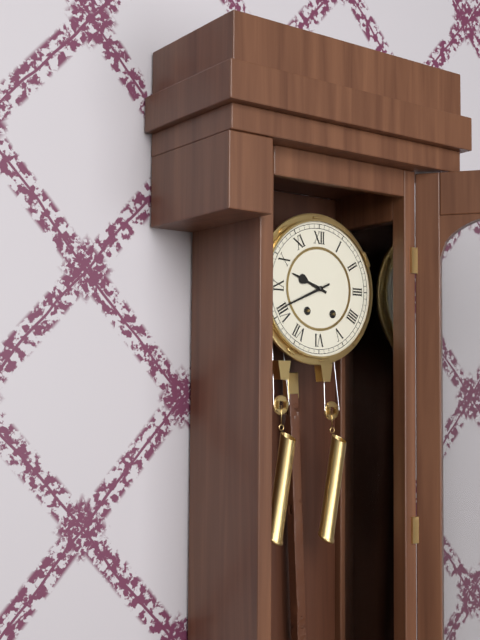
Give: 9:41
